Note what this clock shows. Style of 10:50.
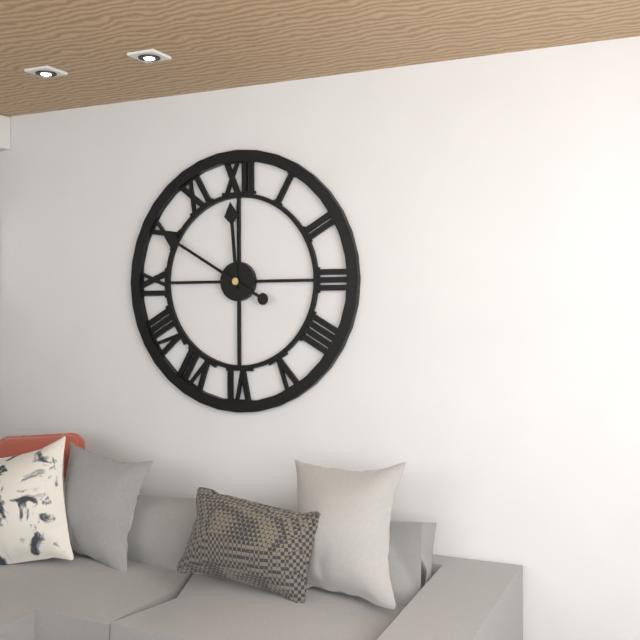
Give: 11:50
